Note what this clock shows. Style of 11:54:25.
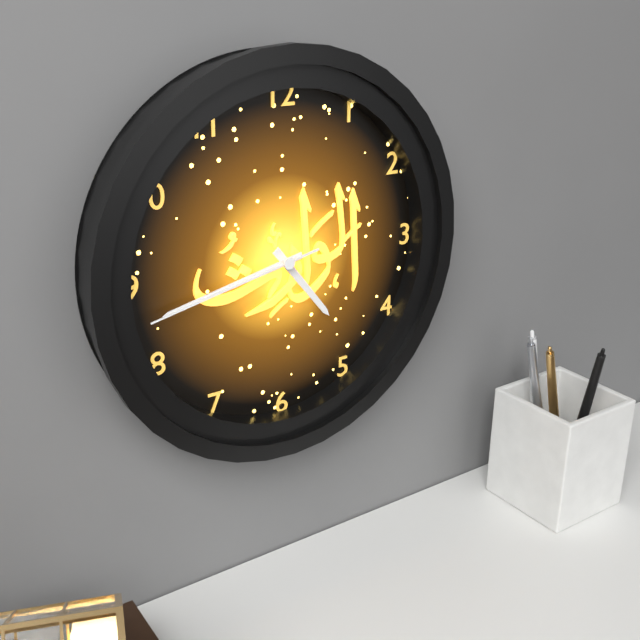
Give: 4:43:43
